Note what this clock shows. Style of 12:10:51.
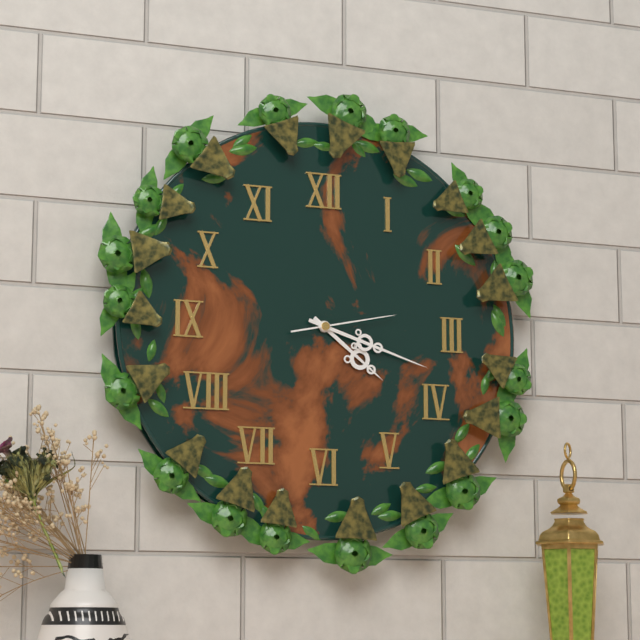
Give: 4:18:13
